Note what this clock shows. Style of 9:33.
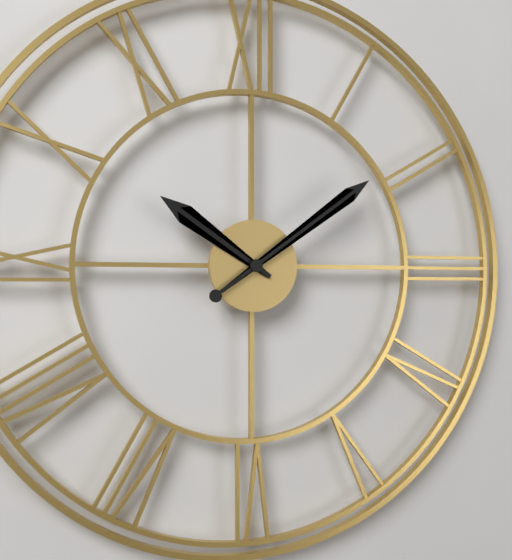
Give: 10:09
